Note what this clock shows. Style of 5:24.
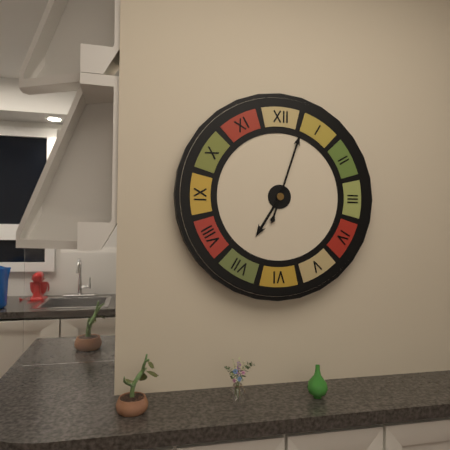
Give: 7:03
